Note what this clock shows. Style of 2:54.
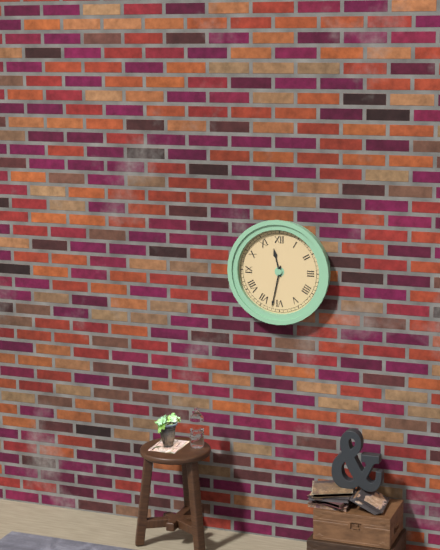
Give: 11:32
